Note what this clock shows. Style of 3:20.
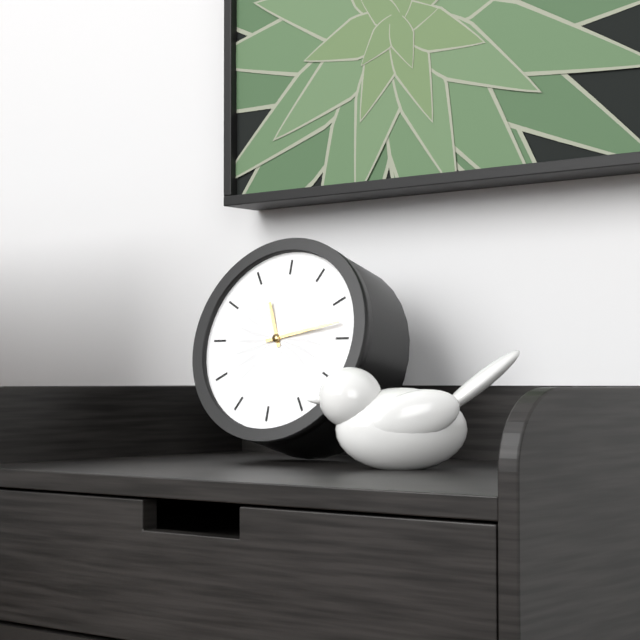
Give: 11:13
